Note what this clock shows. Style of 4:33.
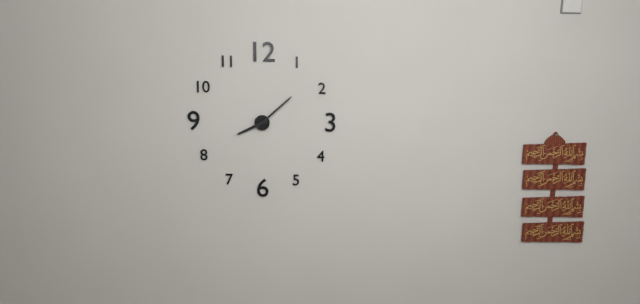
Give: 8:08
